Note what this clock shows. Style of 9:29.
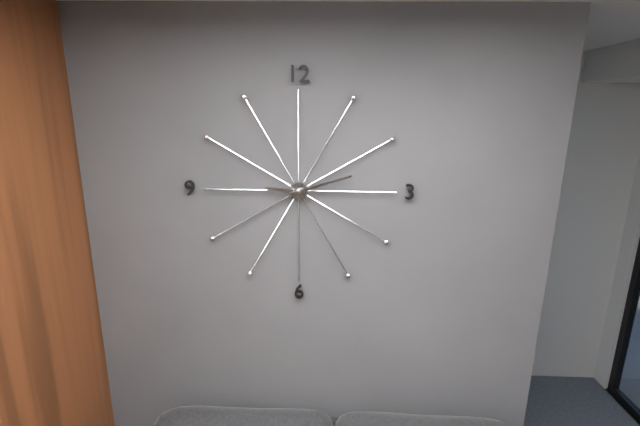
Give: 9:12
